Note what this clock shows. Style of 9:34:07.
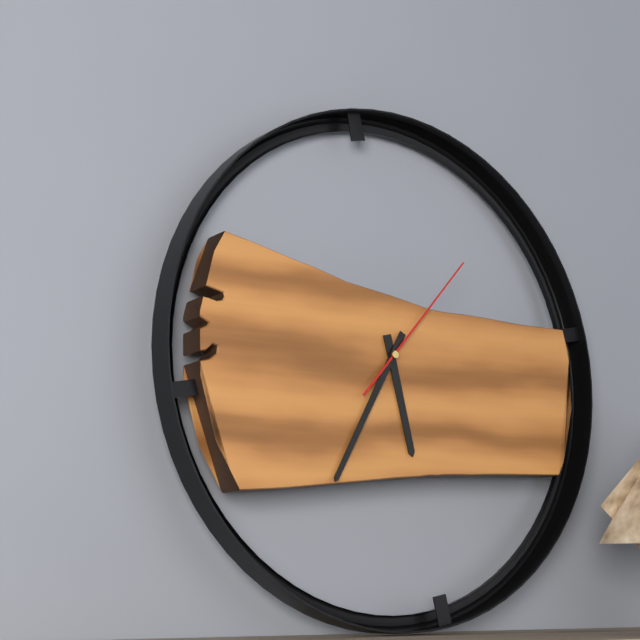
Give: 5:35:07
